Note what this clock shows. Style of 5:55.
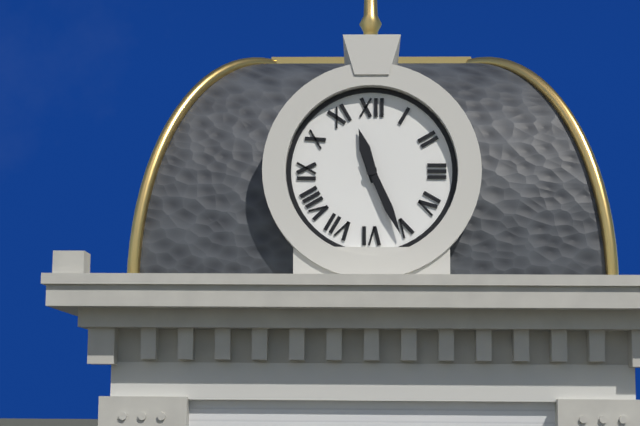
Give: 11:26
